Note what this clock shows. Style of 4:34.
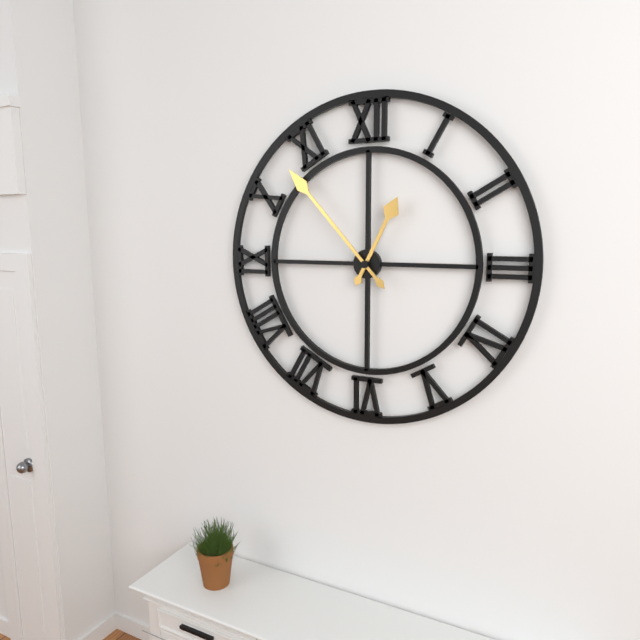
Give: 12:53
